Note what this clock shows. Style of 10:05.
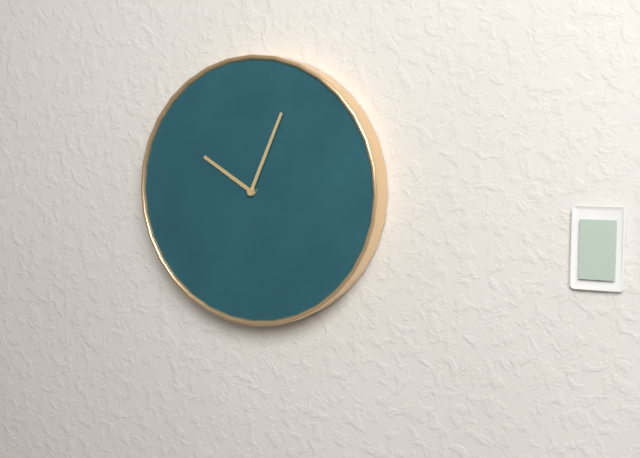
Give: 10:04
